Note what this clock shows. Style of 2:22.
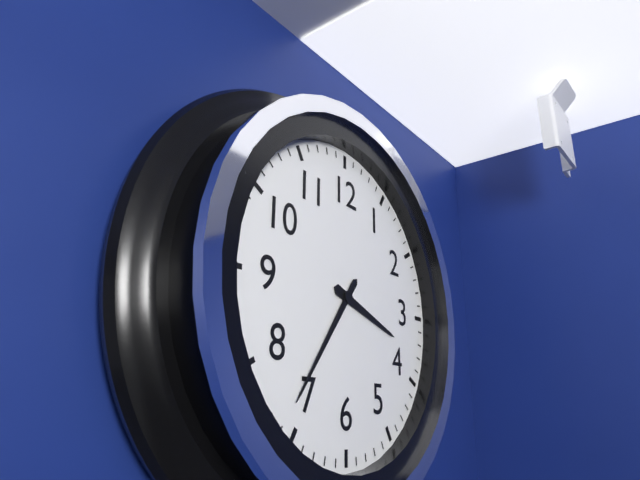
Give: 3:36
